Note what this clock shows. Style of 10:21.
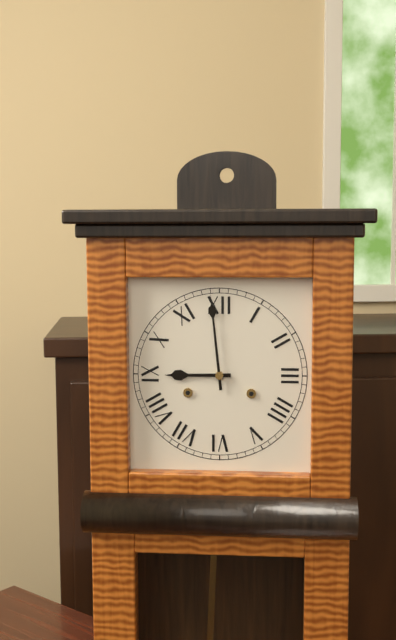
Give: 8:59
